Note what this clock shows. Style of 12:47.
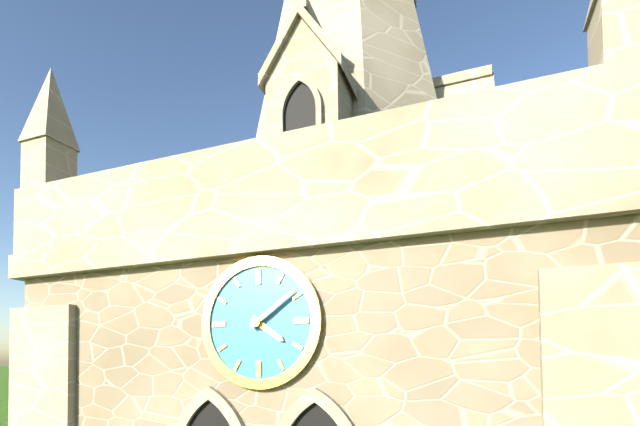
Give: 4:09
